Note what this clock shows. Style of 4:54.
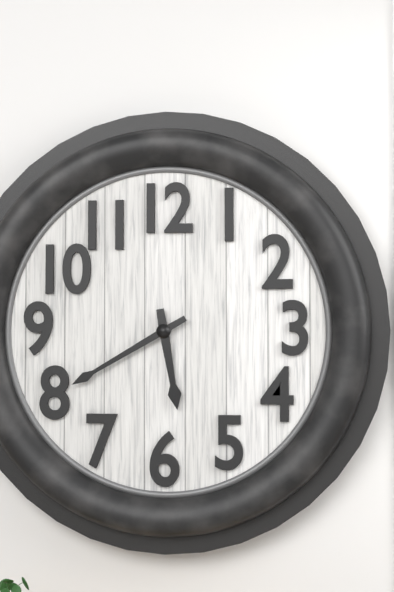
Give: 5:40
